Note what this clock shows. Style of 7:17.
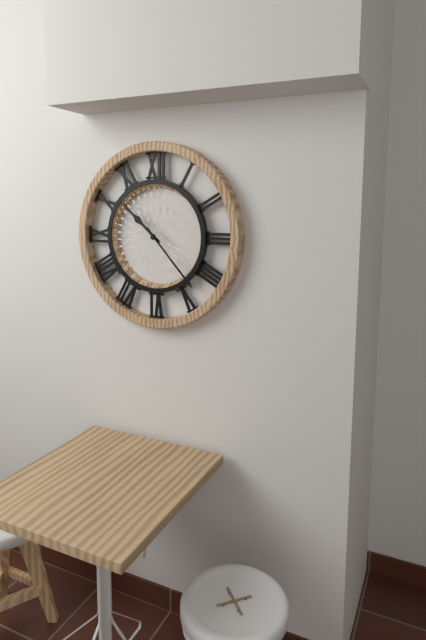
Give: 10:23
